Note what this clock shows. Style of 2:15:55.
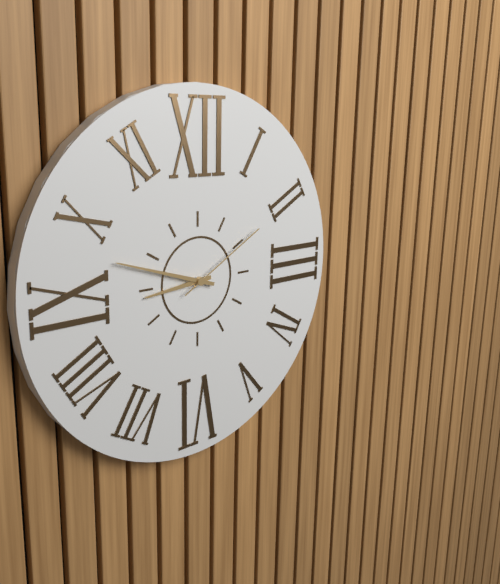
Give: 8:48:10
